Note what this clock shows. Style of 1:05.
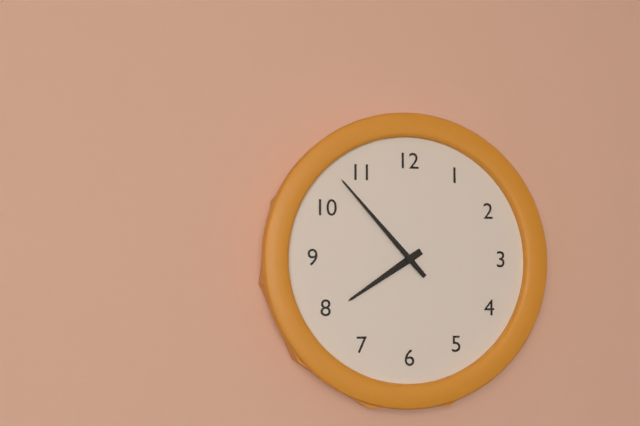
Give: 7:53
